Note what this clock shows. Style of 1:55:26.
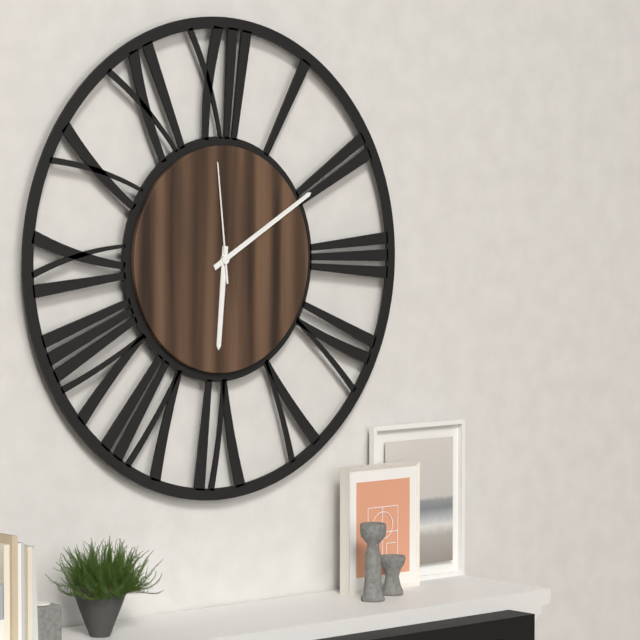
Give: 6:10:59
